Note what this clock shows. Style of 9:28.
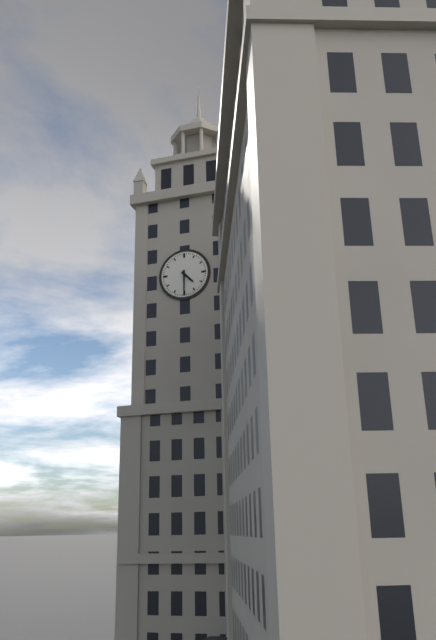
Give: 4:30
